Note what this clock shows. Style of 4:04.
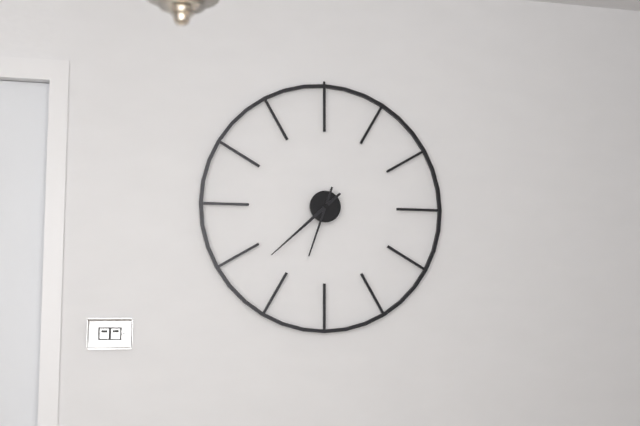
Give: 6:38
